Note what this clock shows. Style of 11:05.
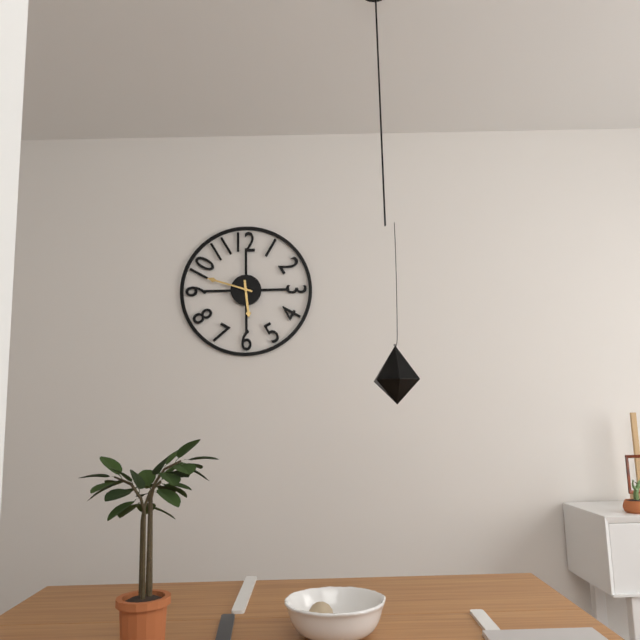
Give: 5:48
